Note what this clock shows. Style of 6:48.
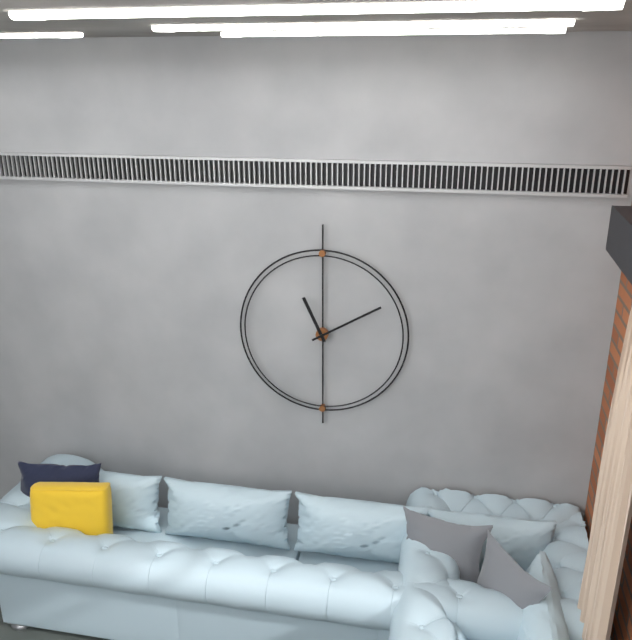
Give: 11:10
